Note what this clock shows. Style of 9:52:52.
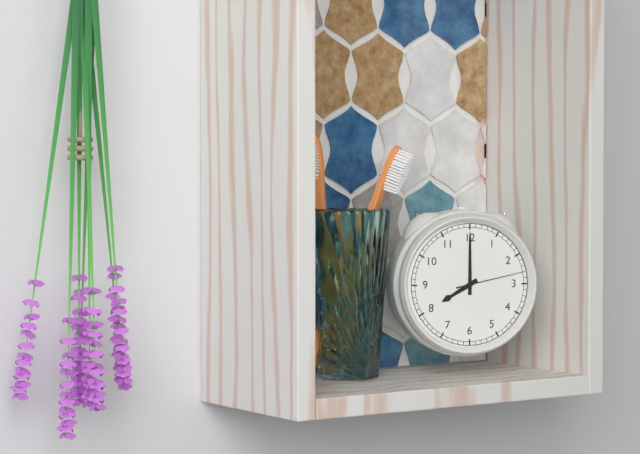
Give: 8:00:13
